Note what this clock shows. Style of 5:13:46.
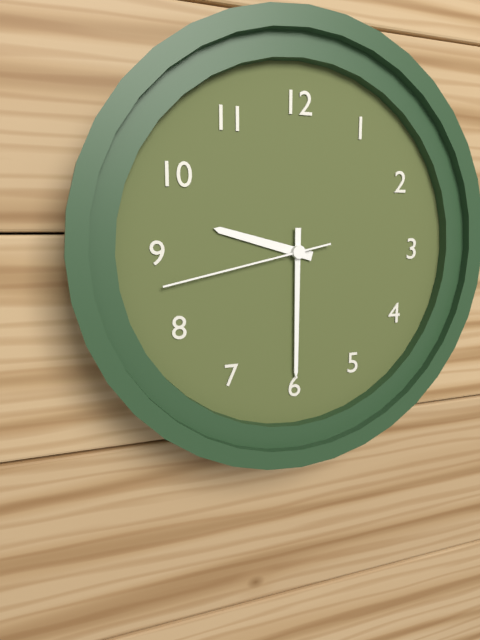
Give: 9:30:43
